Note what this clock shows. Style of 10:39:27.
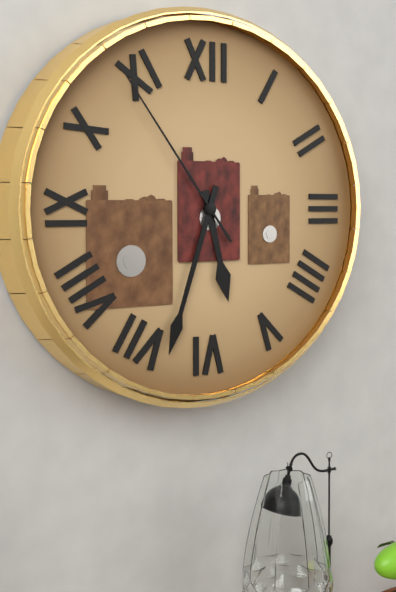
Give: 5:33:54
